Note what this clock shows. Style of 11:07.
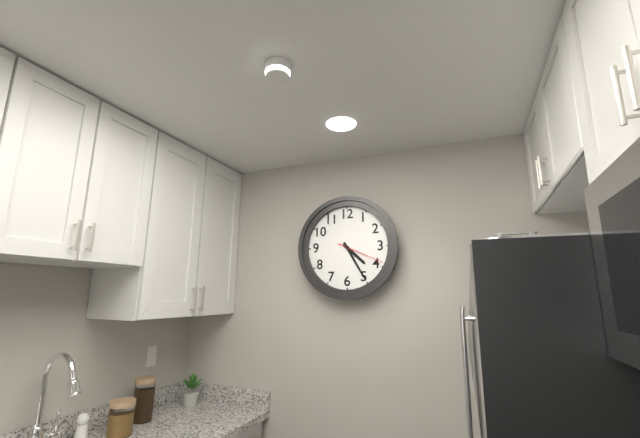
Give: 4:25
